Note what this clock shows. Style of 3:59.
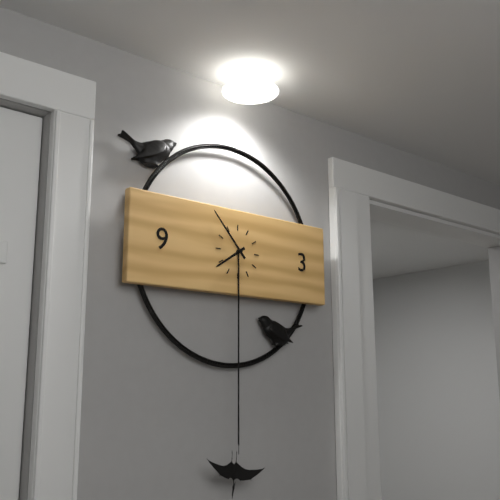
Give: 7:53
